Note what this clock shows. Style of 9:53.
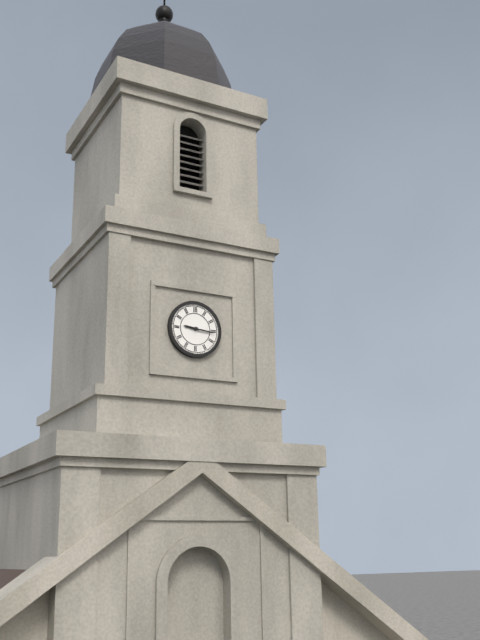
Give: 9:16
